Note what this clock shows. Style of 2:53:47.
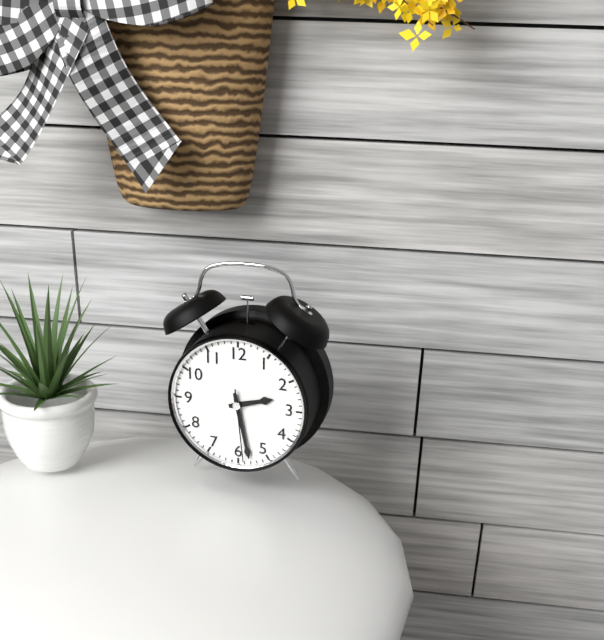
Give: 2:28:29
